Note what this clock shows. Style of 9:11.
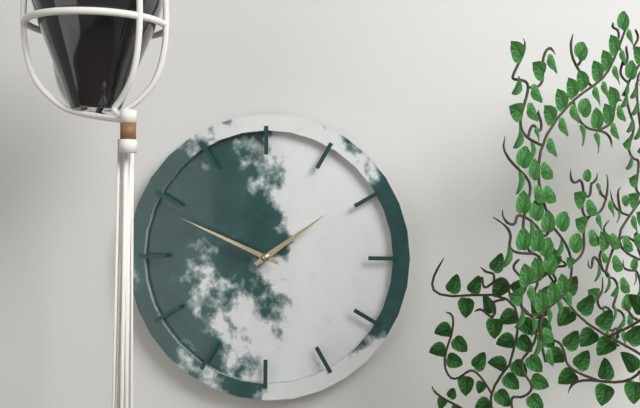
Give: 1:49
